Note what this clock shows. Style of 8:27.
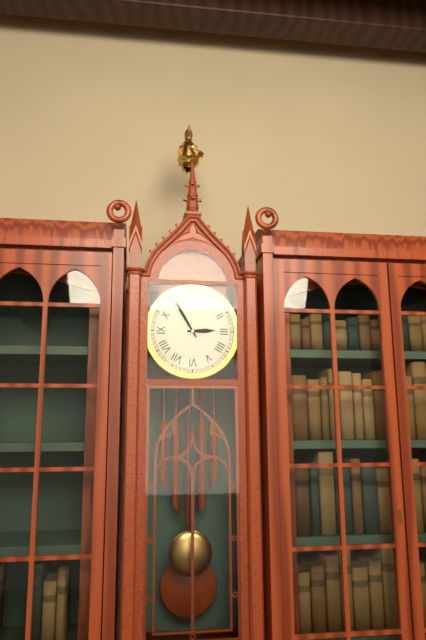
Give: 2:55
